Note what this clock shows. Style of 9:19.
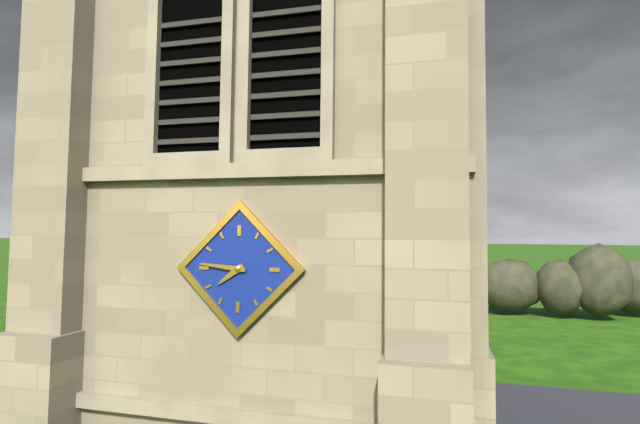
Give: 7:46
